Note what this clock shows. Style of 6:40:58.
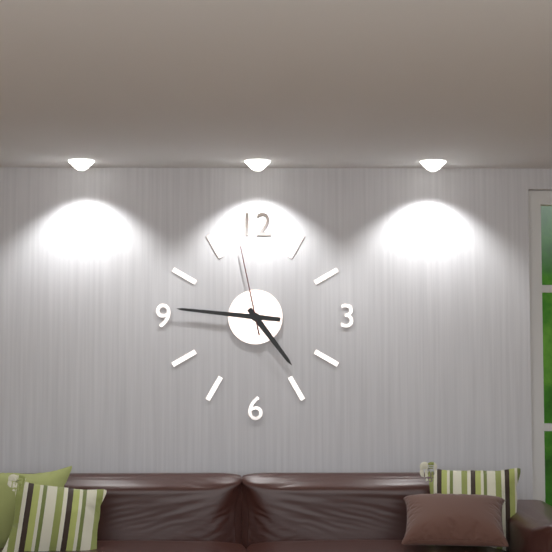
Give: 4:46:58
